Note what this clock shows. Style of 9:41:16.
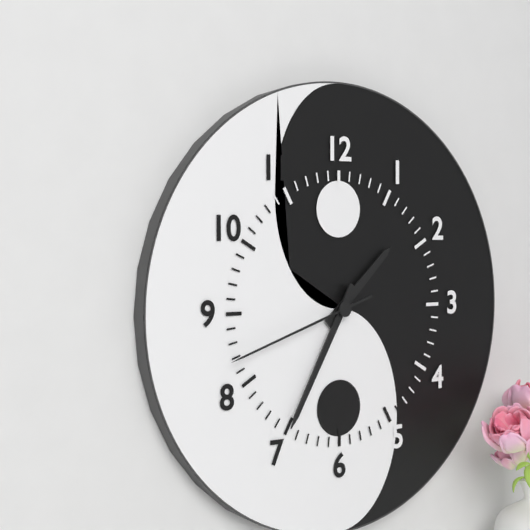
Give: 1:35:42
